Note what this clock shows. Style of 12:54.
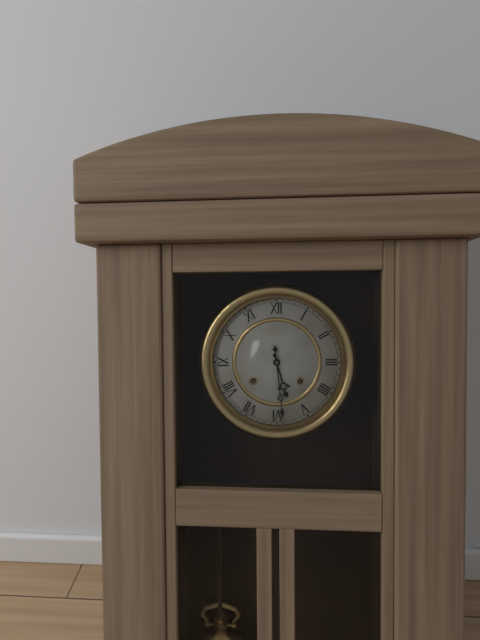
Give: 5:29
